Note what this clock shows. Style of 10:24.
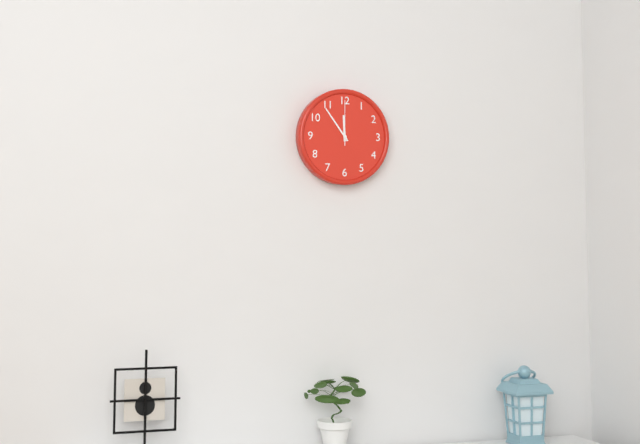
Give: 11:54
